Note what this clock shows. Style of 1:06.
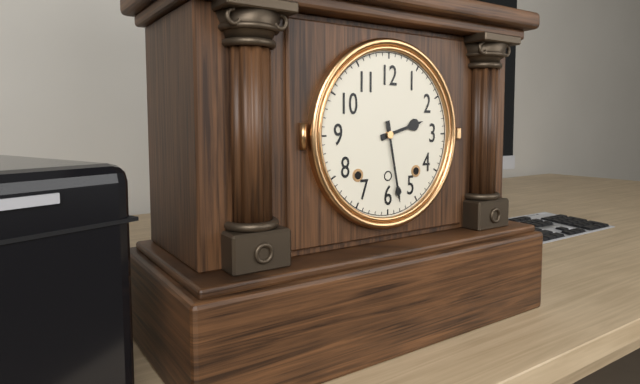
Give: 2:28
